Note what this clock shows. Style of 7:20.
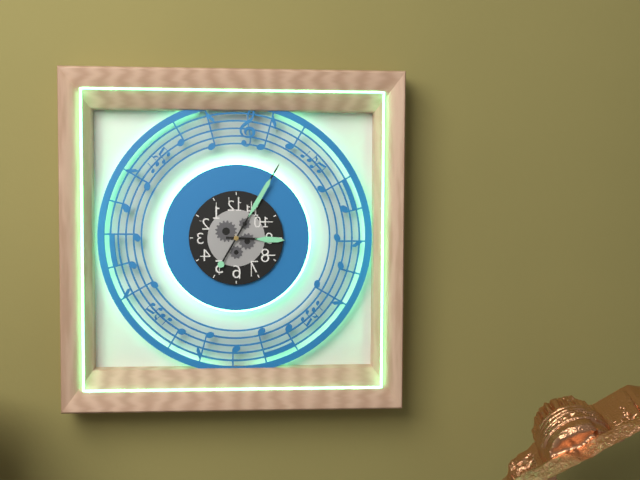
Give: 3:05
